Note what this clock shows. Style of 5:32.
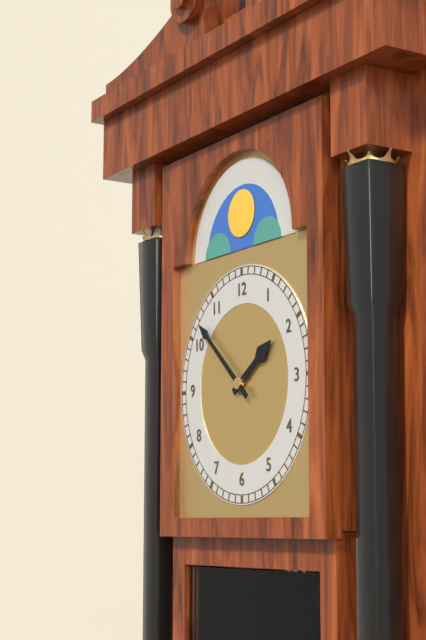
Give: 1:52
